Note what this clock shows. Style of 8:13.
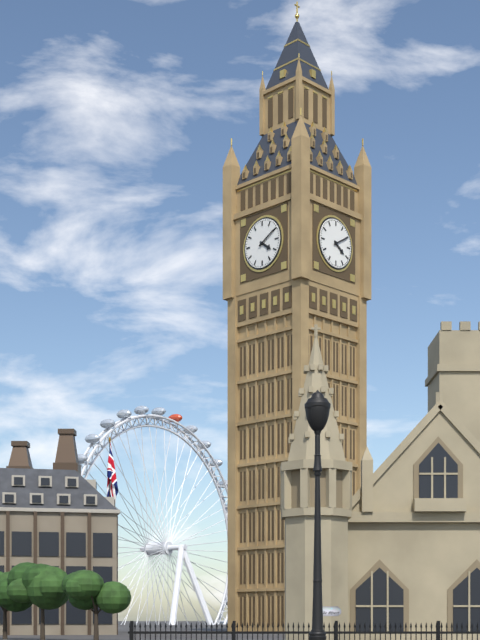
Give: 4:10
